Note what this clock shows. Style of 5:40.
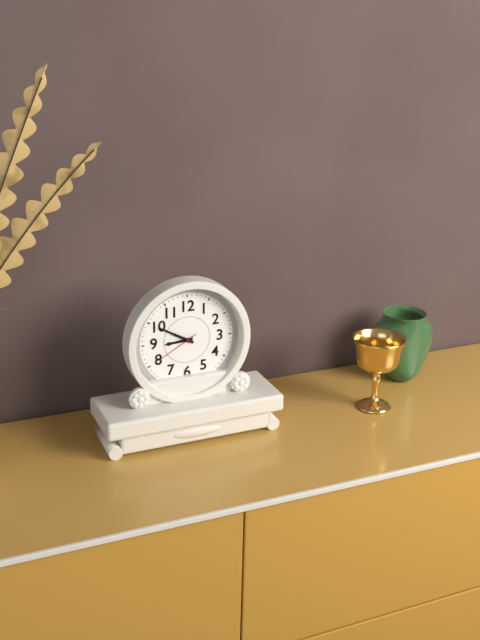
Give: 8:50
